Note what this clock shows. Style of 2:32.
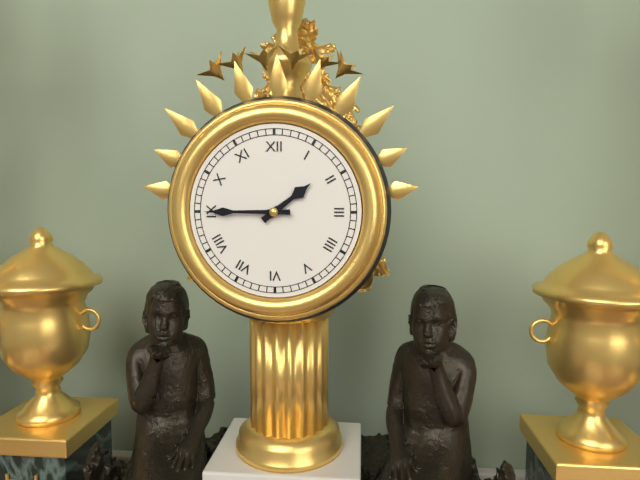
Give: 1:45
